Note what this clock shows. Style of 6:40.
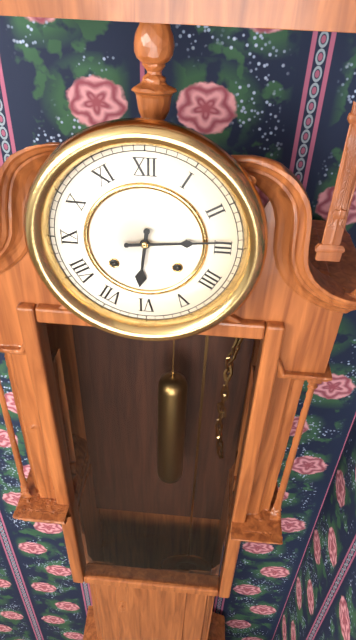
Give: 6:14
